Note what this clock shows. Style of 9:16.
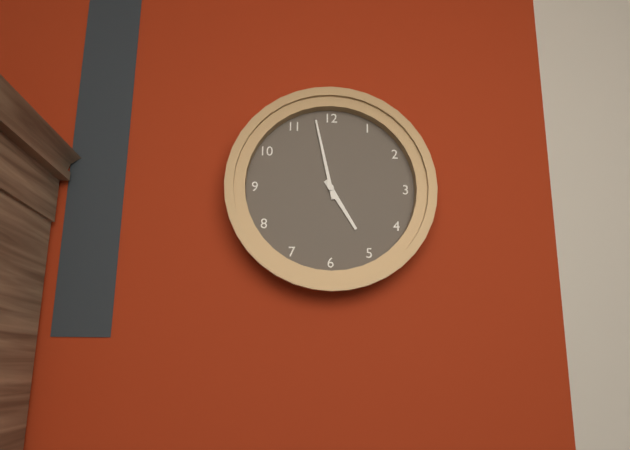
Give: 4:58
